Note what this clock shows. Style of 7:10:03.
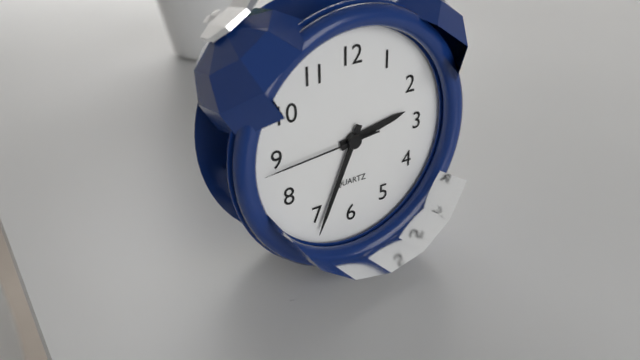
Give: 2:34:44
